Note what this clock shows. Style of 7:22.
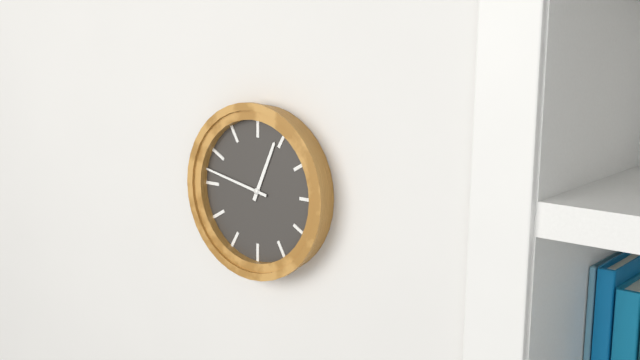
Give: 12:47
